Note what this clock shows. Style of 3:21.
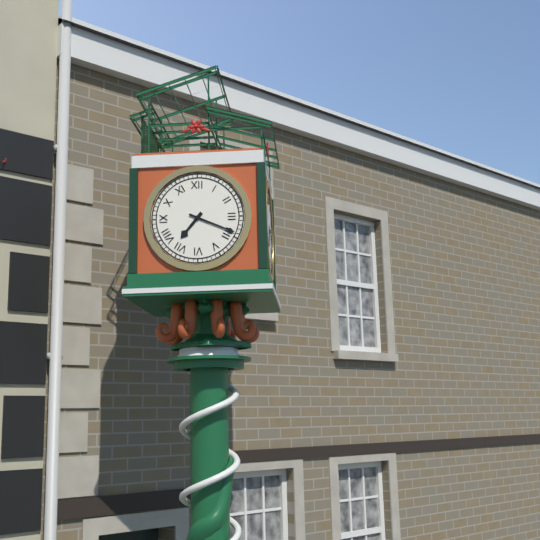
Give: 7:19
